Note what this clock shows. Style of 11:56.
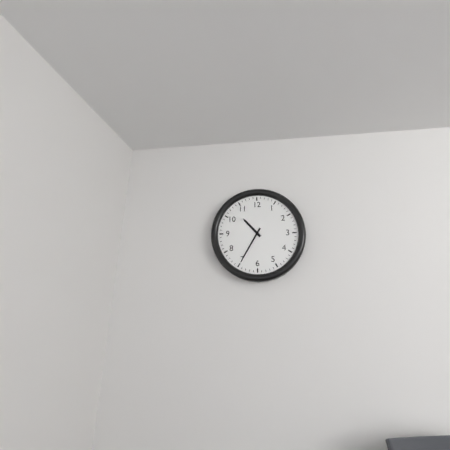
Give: 10:35
